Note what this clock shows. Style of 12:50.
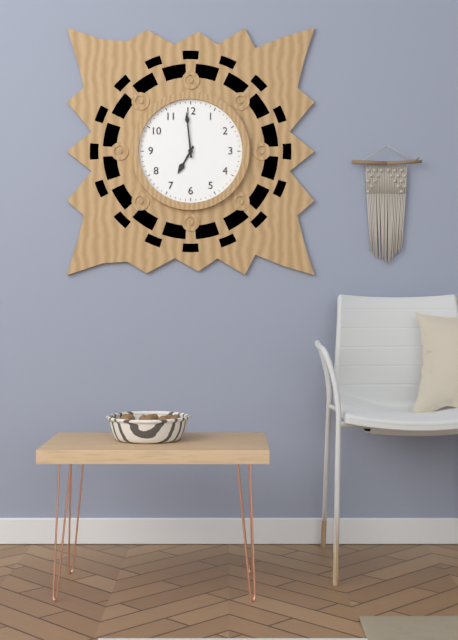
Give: 6:59
